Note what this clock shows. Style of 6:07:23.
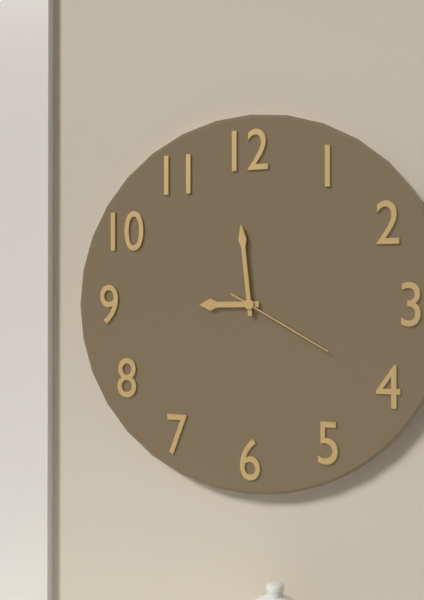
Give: 8:59:20
